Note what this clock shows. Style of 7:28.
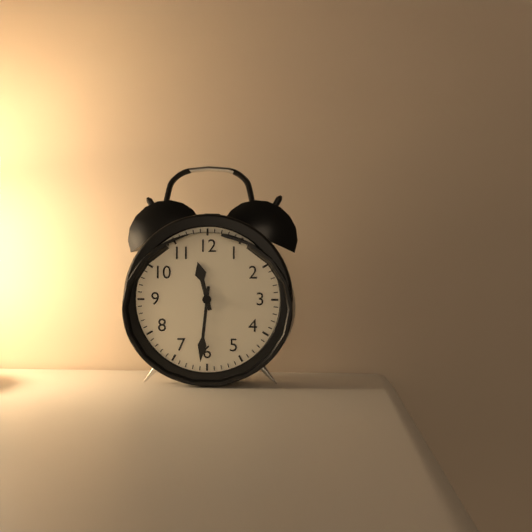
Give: 11:31
